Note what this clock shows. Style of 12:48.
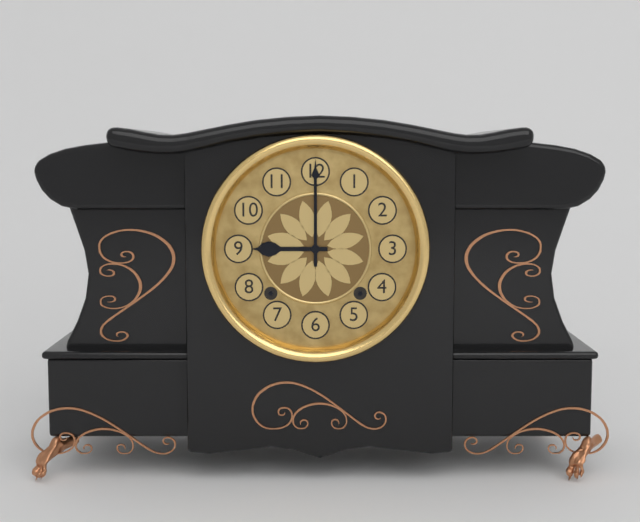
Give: 9:00
